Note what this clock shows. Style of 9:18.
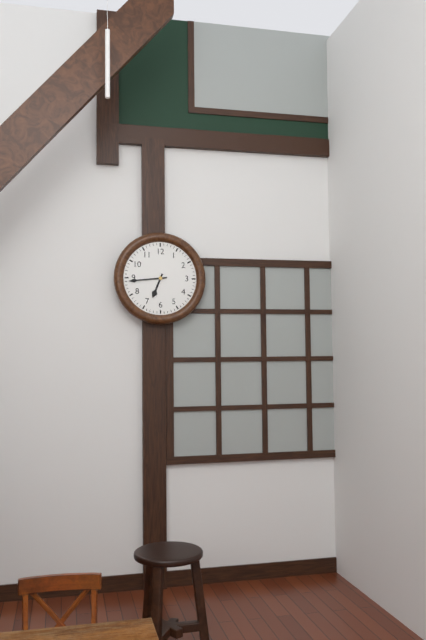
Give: 6:44
